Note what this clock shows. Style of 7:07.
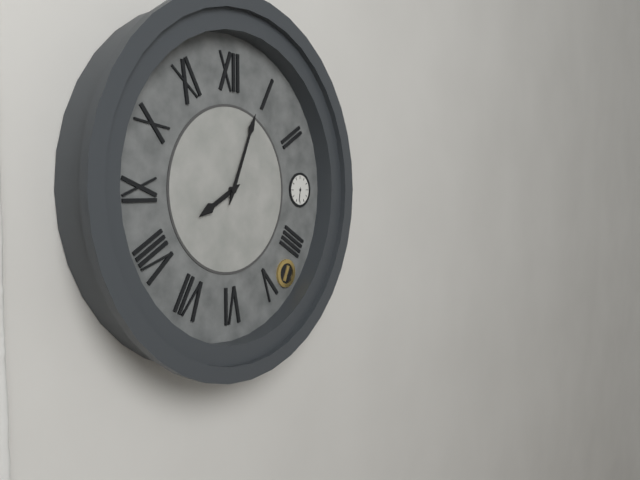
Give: 8:04
